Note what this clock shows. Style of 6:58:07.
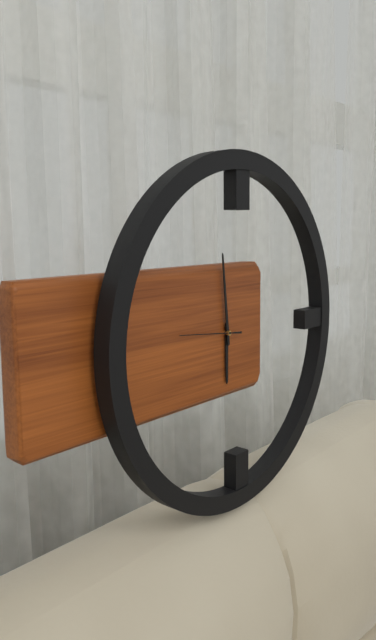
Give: 5:59:46
